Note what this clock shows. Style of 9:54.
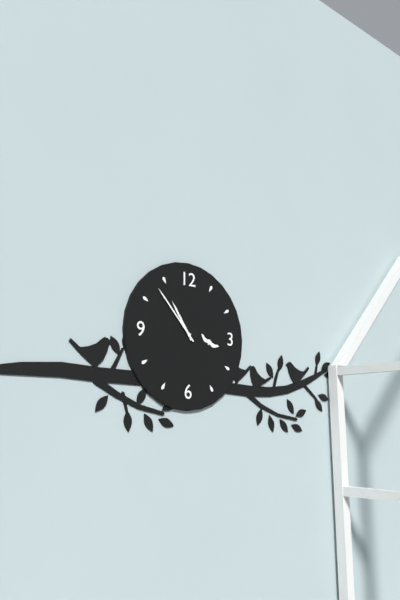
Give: 10:53
